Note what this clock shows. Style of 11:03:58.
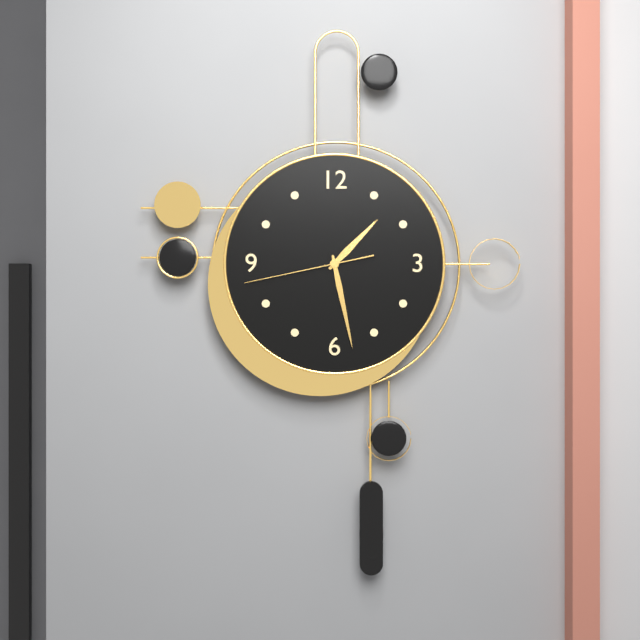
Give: 1:28:43
